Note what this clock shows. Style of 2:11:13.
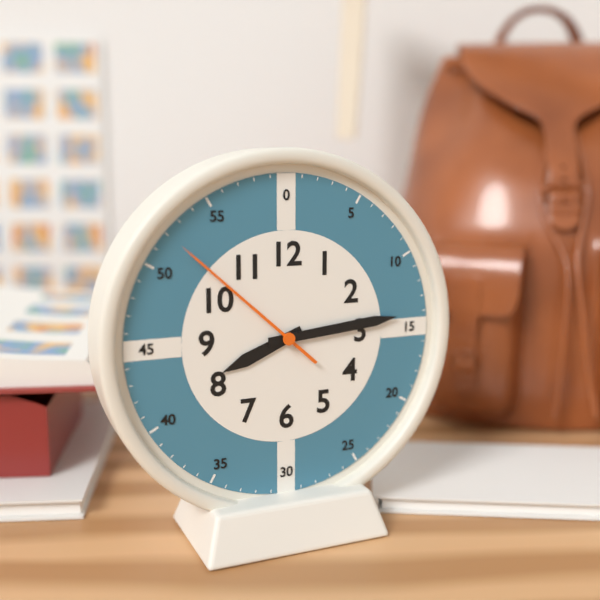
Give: 8:14:52
